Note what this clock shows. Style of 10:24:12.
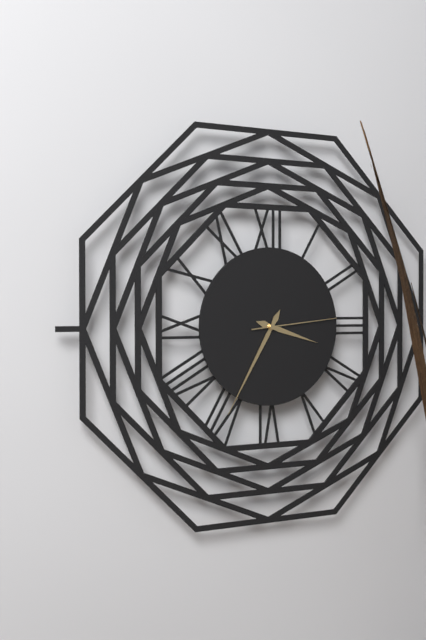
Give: 3:35:14
